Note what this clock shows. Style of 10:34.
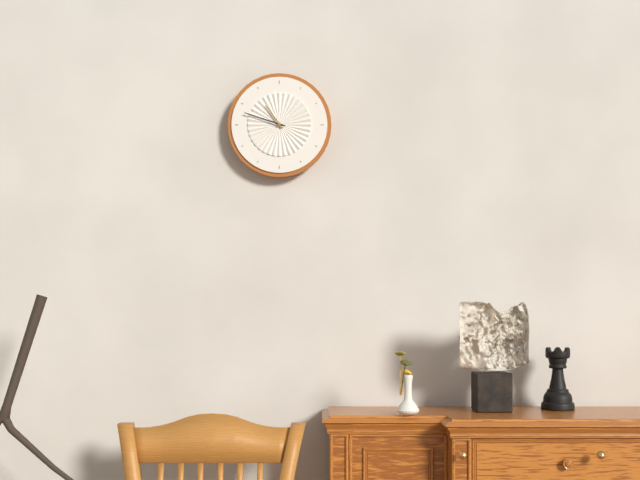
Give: 10:48
